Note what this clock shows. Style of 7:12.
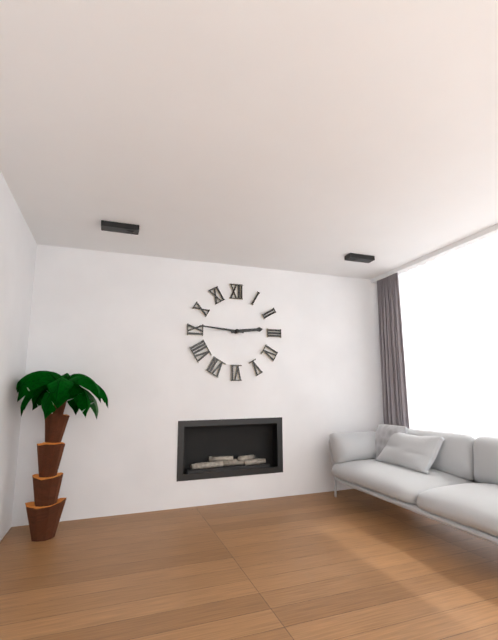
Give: 2:46
